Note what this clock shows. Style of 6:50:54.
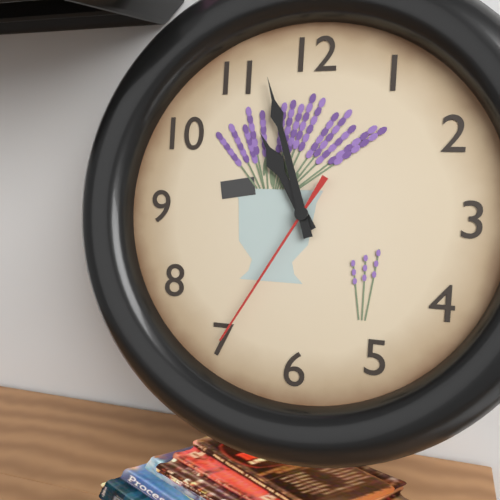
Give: 10:57:35
